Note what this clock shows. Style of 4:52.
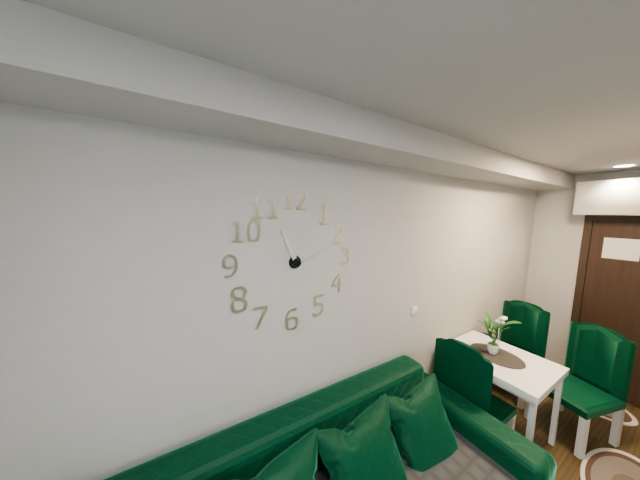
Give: 11:12
